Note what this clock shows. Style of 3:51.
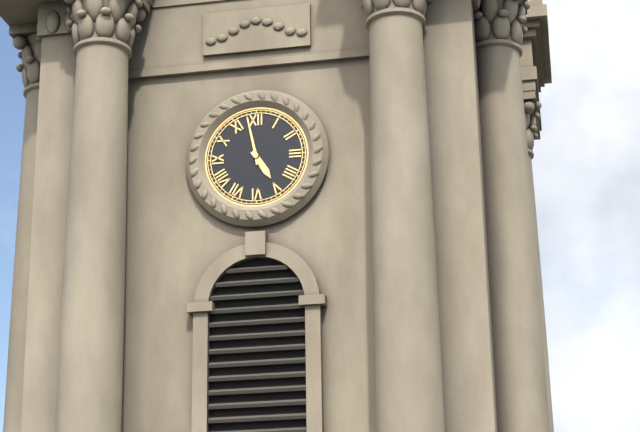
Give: 4:58
